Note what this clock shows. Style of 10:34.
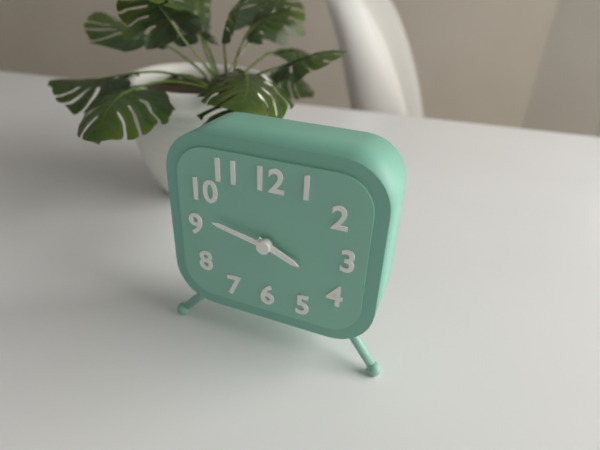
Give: 3:47
